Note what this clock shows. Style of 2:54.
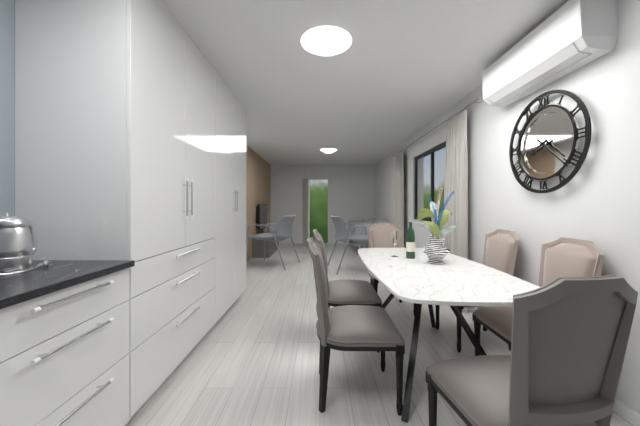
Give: 8:22
